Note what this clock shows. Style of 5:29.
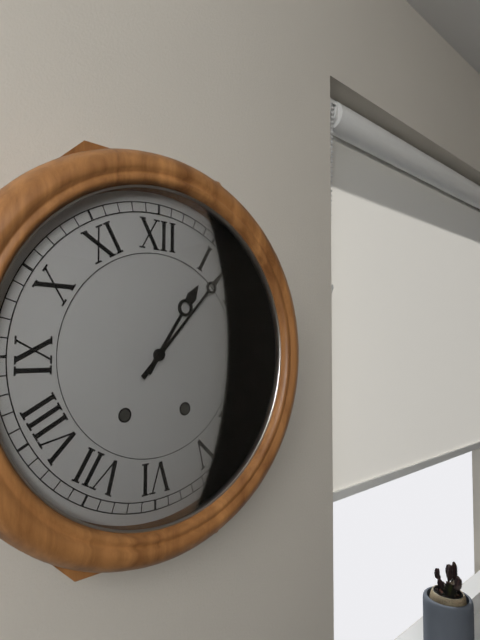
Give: 1:07
